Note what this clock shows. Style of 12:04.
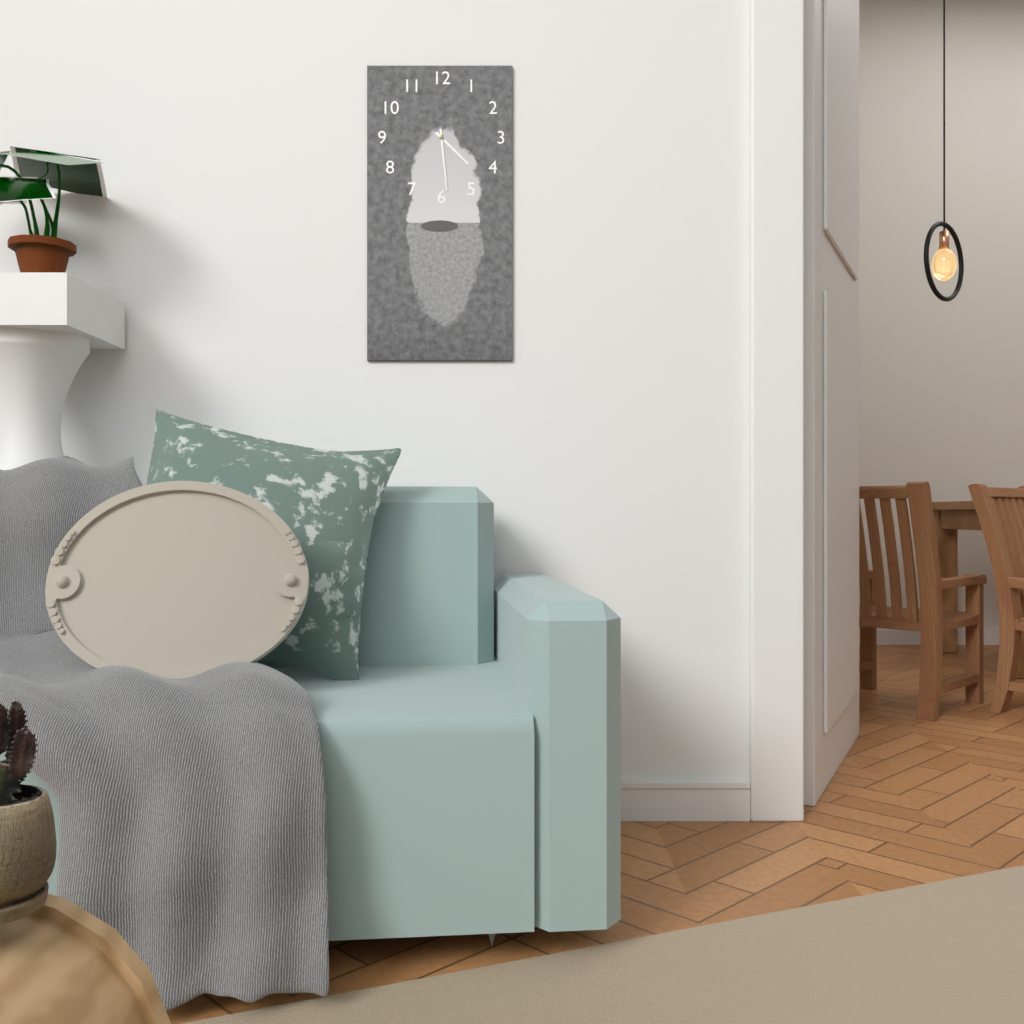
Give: 4:29
